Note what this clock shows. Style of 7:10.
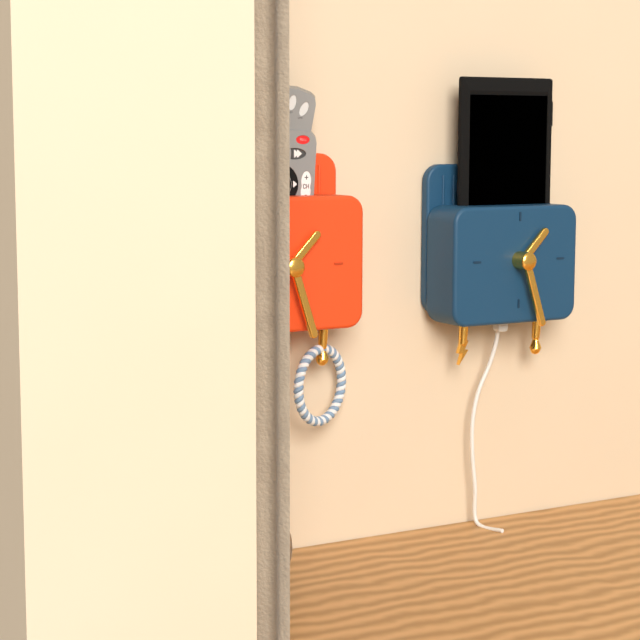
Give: 1:27
